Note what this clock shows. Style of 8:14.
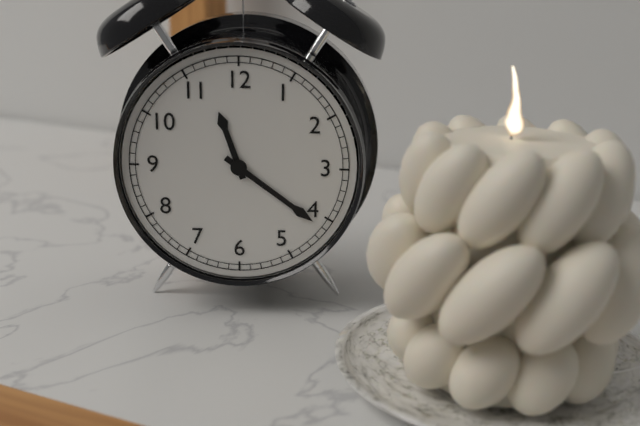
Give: 11:21
